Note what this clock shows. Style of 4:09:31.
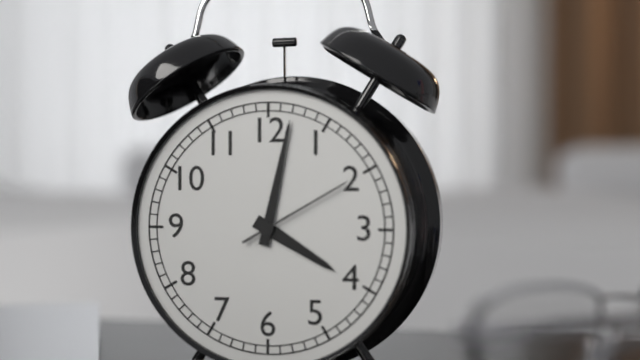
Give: 4:02:10
